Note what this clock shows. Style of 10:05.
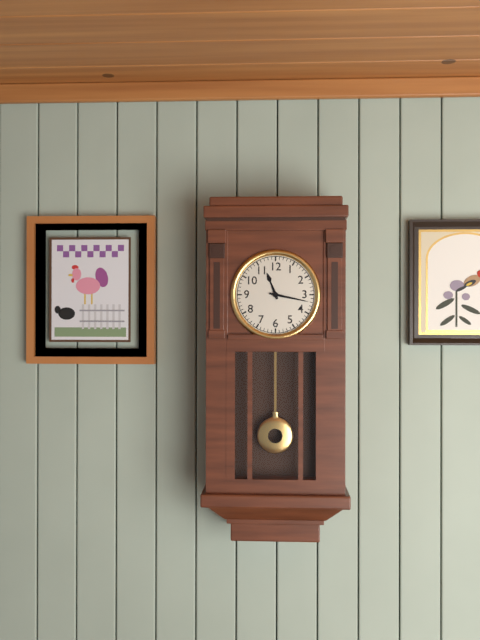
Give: 11:17
